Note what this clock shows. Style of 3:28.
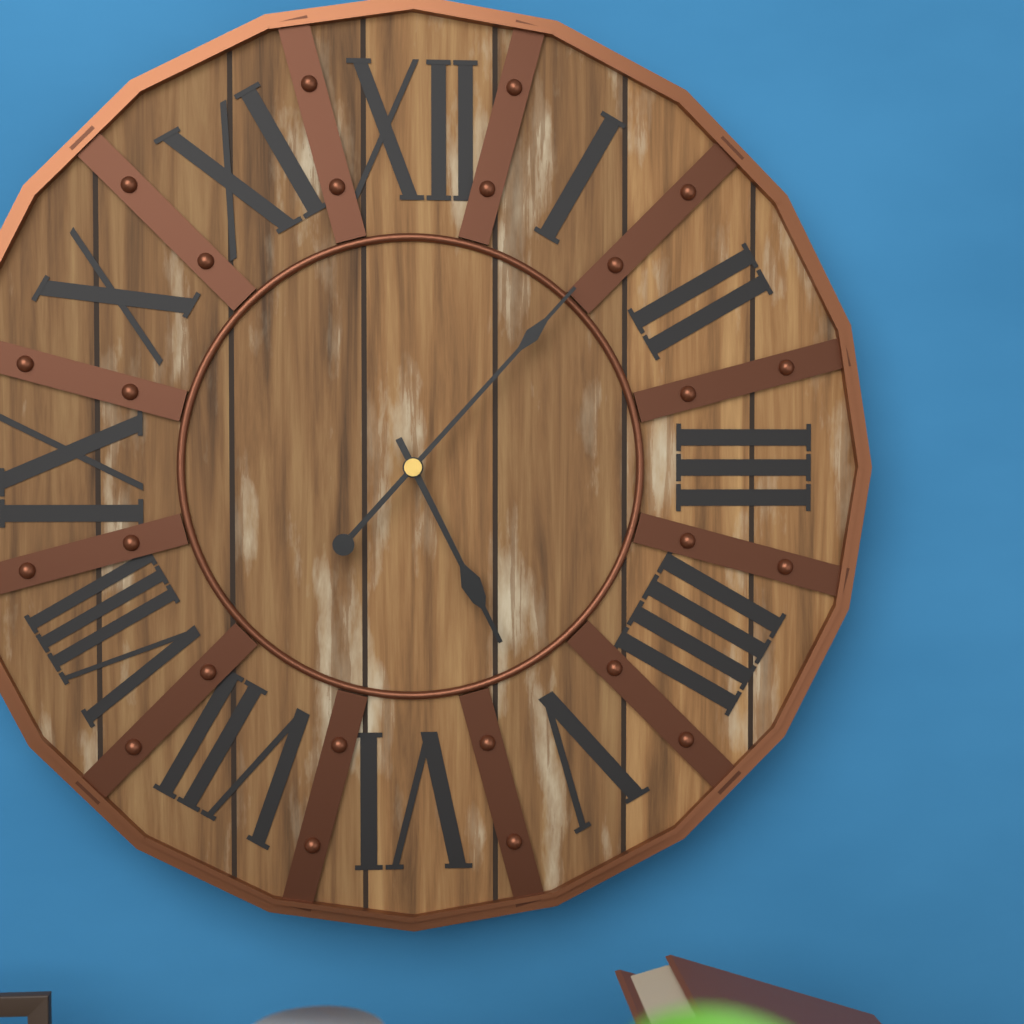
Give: 5:07
